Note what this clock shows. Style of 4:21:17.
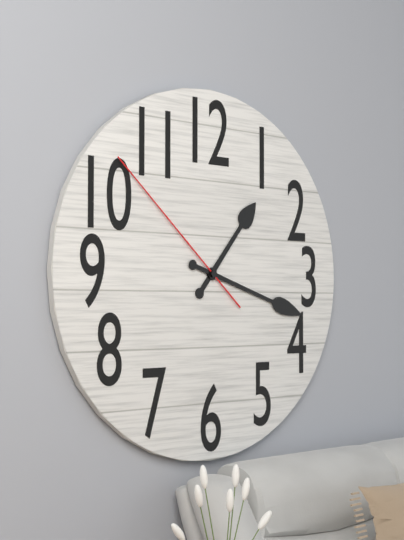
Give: 1:18:52
